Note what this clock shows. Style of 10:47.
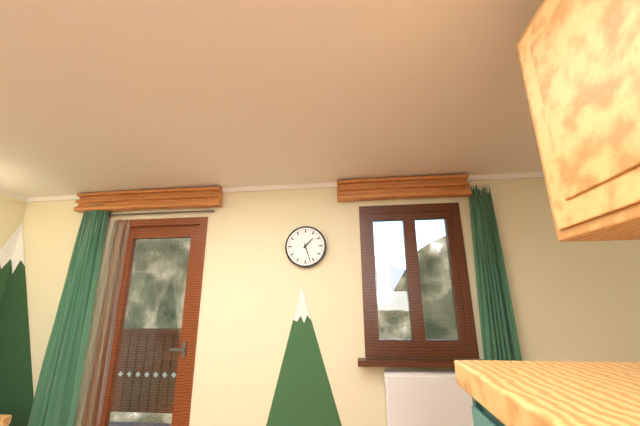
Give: 1:27
